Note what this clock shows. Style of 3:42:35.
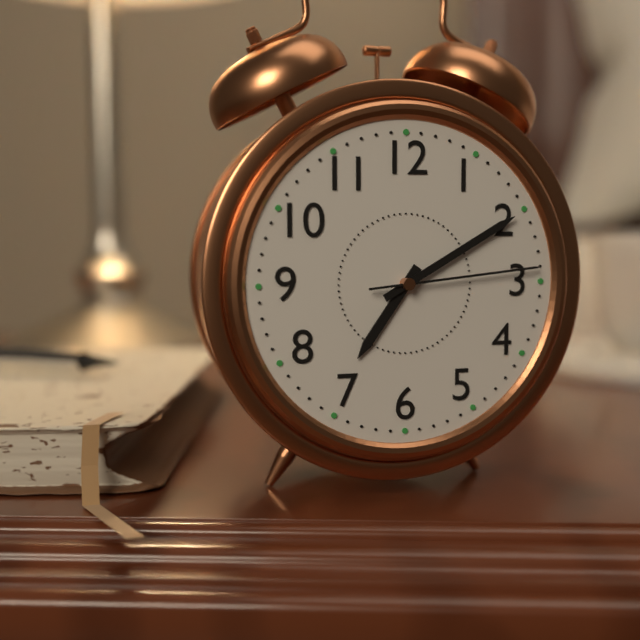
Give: 7:10:14
